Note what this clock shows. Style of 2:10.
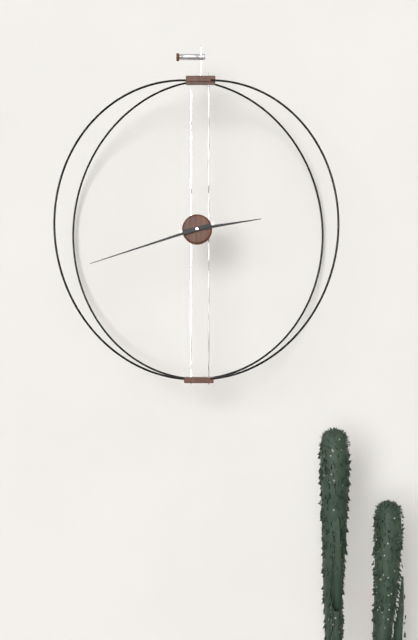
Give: 2:42
